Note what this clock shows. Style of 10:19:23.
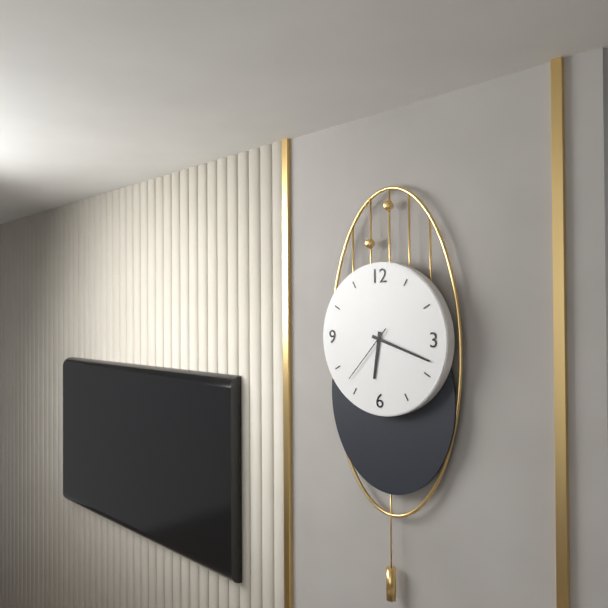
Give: 6:18:37
